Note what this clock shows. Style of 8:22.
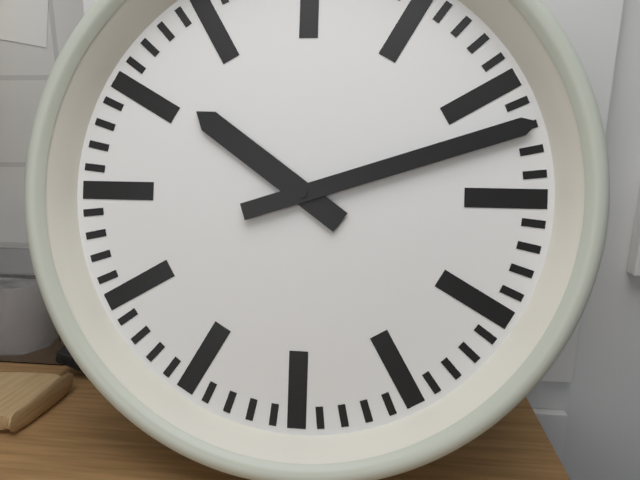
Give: 10:12
